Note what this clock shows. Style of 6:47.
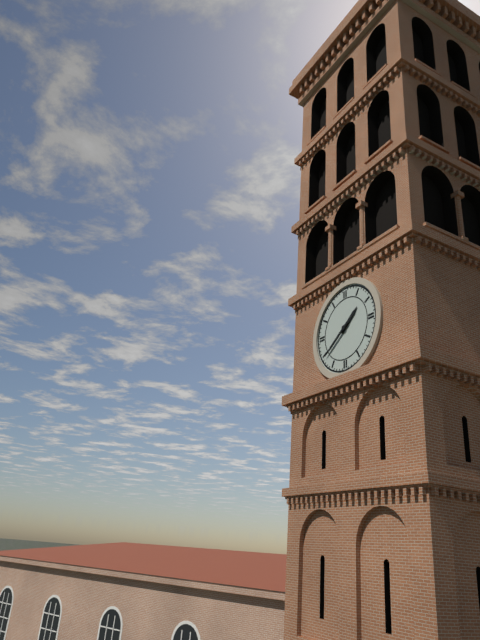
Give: 1:39
